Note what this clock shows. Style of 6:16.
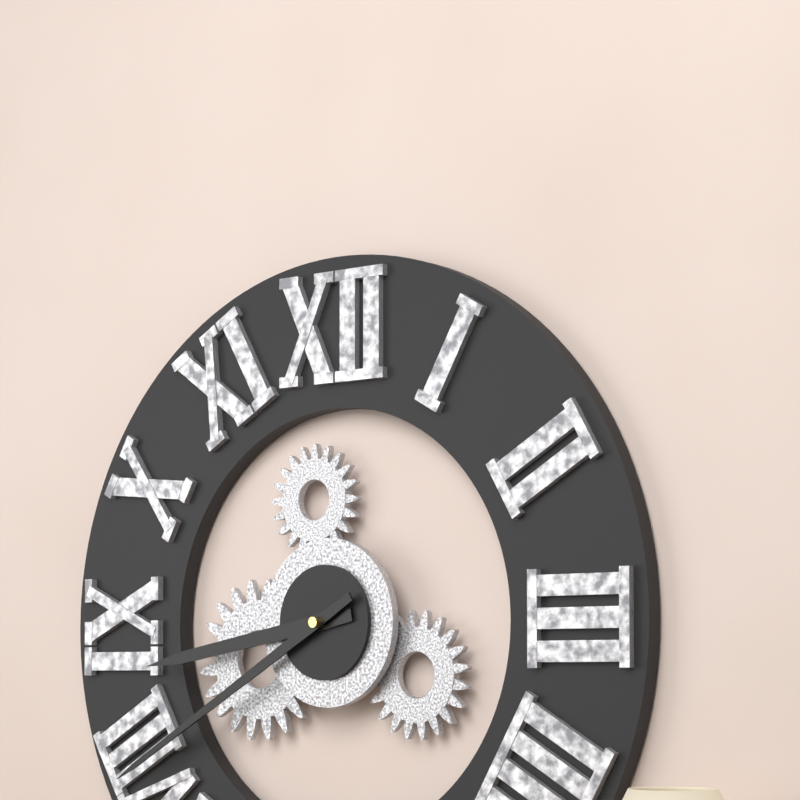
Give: 8:40
